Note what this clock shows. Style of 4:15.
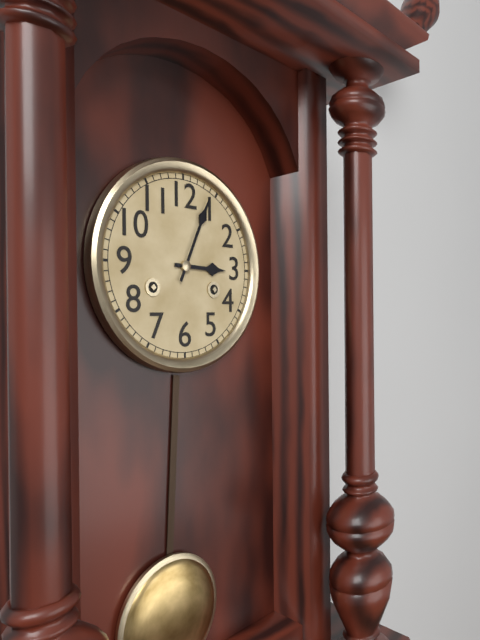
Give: 3:04
